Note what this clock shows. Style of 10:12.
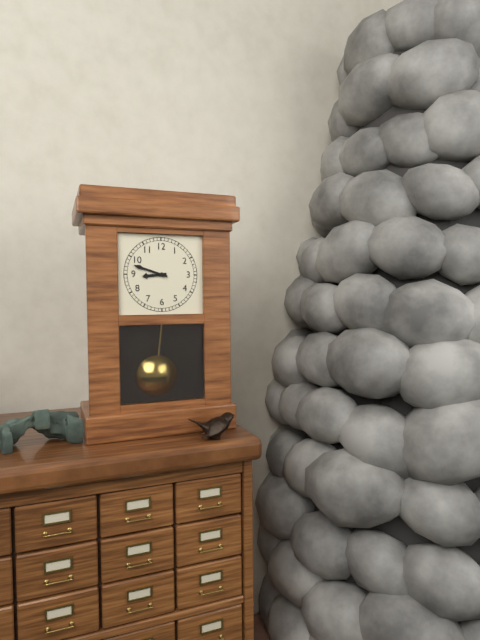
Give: 8:48
